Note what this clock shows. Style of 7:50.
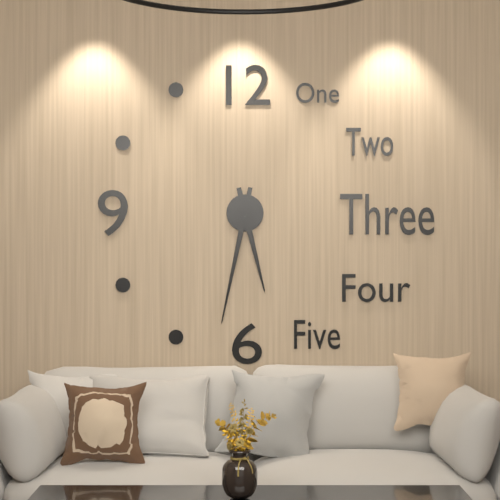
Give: 5:32
